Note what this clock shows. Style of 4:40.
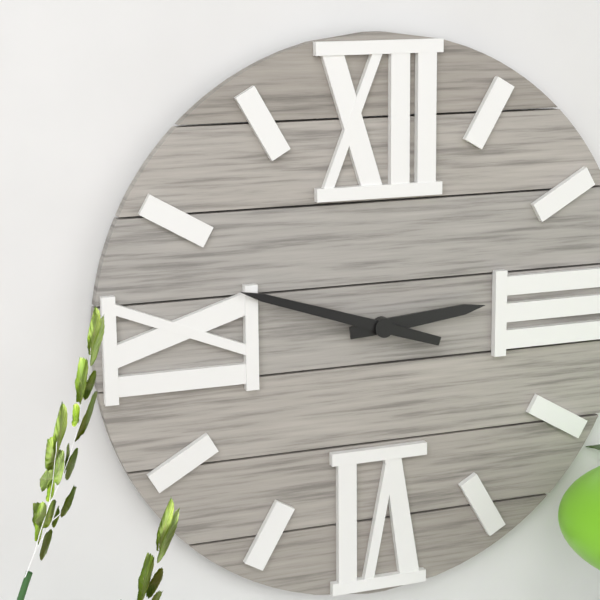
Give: 2:48
